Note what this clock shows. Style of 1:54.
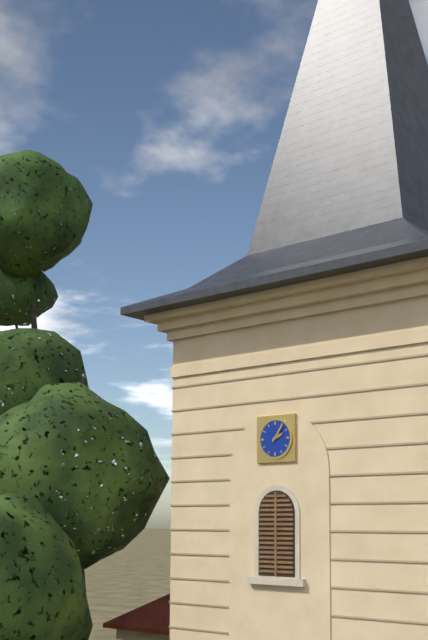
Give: 2:06
